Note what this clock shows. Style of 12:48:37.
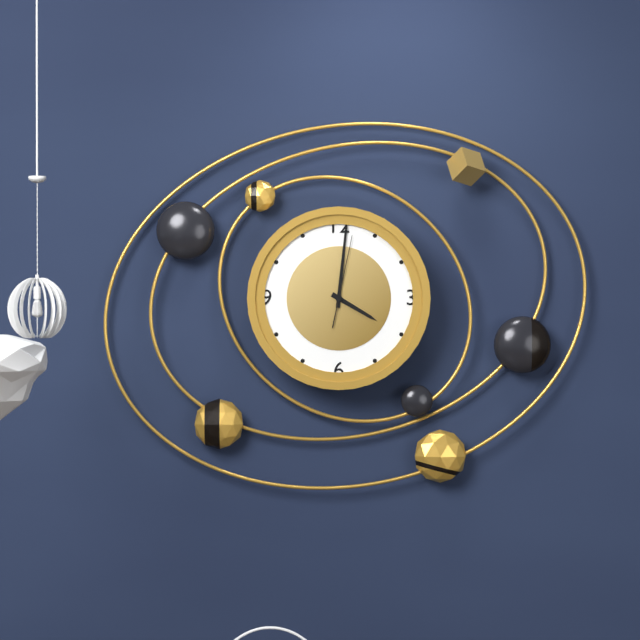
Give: 4:01:02
